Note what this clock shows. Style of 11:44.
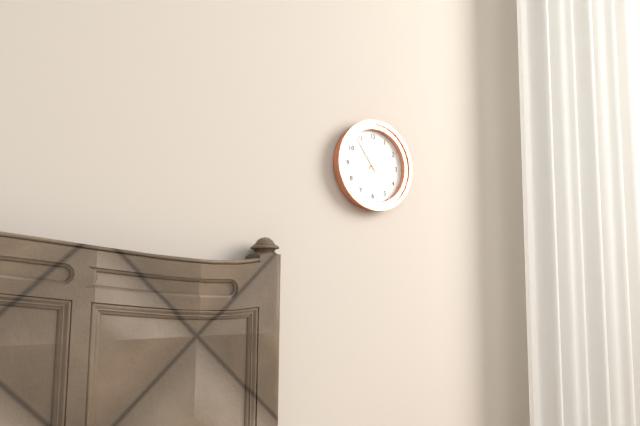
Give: 1:54
